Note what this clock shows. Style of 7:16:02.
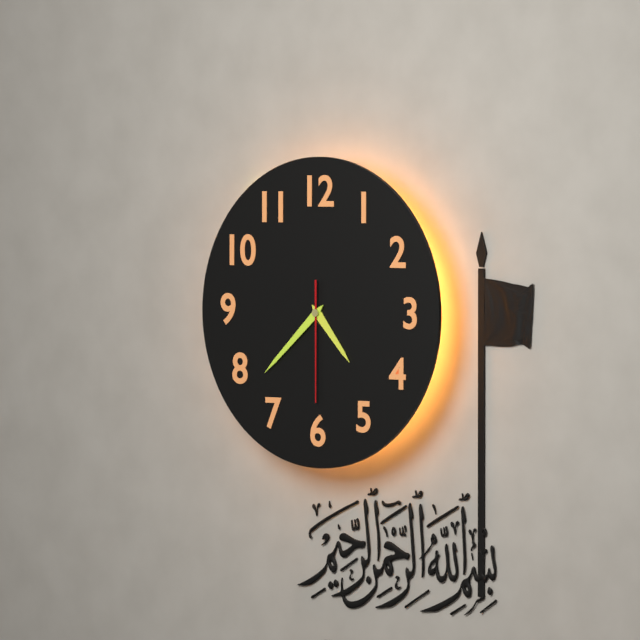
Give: 4:38:30
